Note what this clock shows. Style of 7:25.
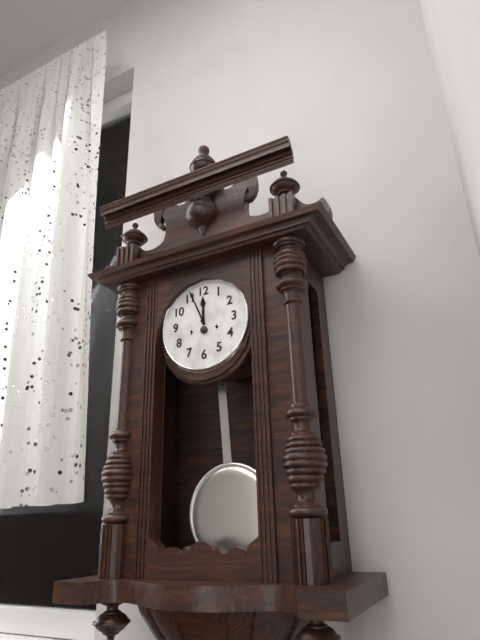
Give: 11:56
